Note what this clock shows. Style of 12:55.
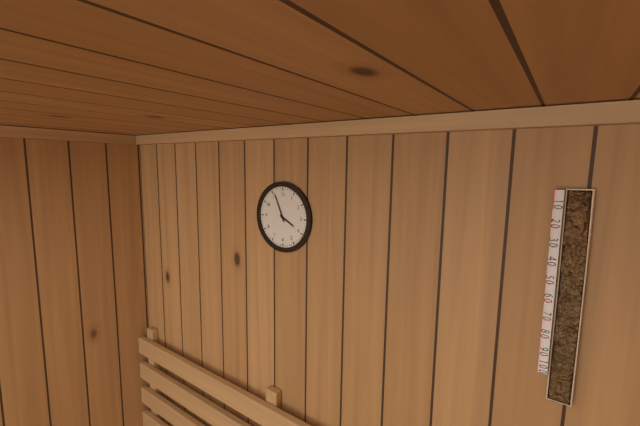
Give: 3:56
